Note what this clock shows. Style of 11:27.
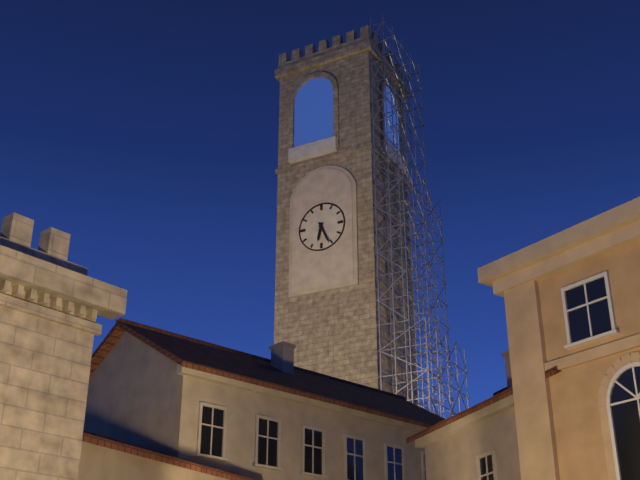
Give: 6:26
